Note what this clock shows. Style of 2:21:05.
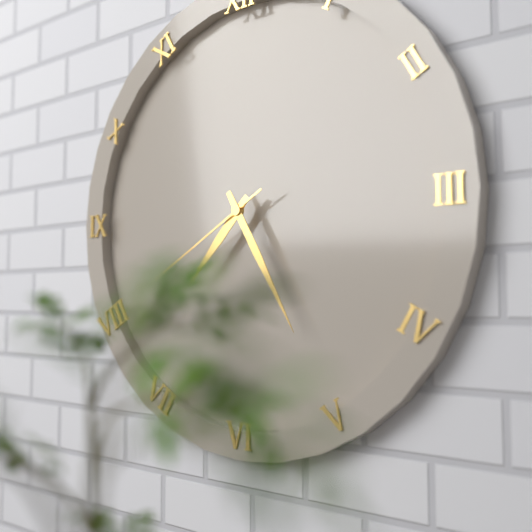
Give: 7:25:40
